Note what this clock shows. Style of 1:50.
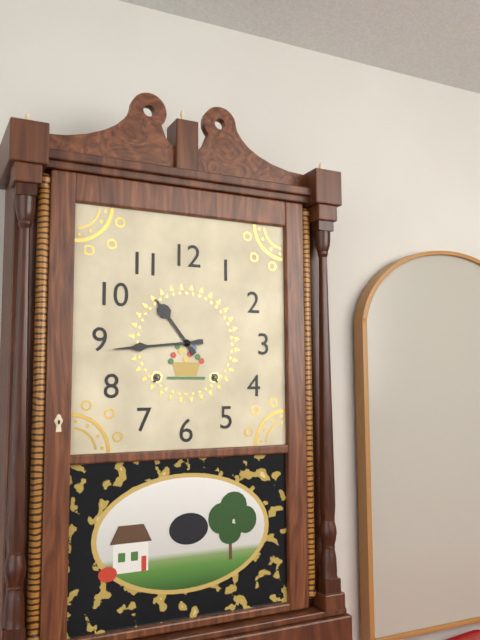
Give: 10:44
